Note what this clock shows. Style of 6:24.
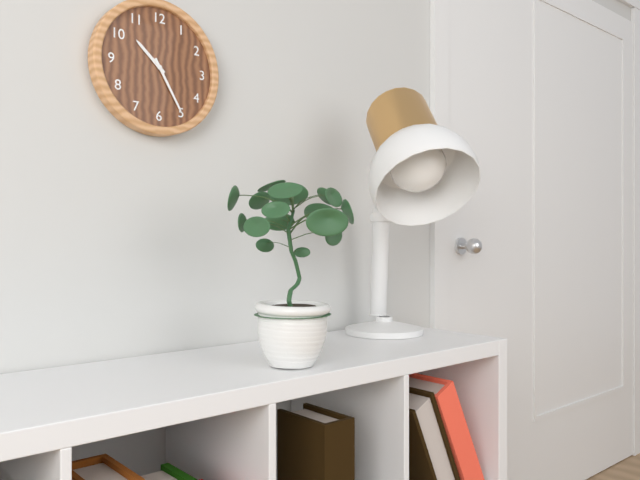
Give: 10:25
